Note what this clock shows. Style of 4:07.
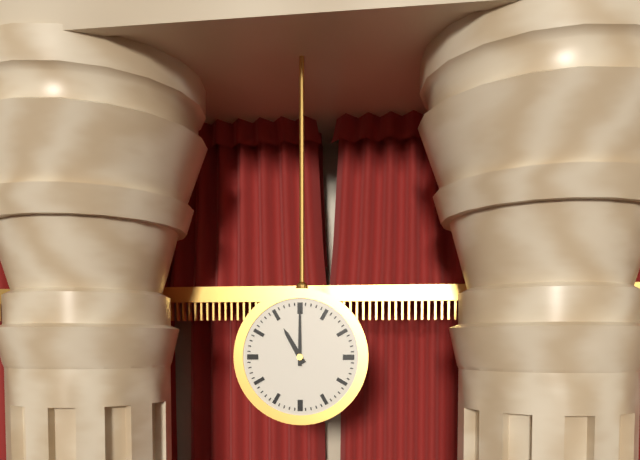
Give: 11:00
